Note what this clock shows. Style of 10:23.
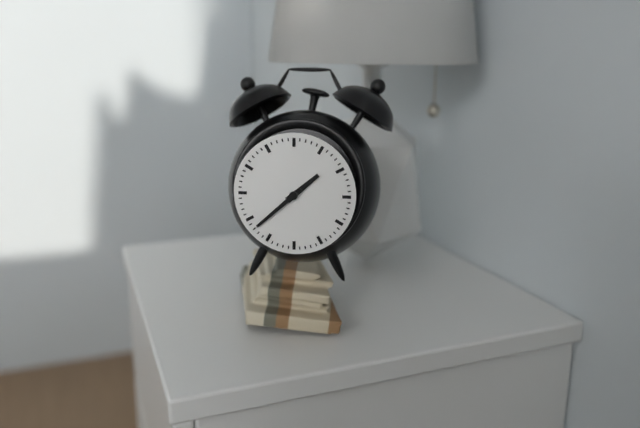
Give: 1:38
